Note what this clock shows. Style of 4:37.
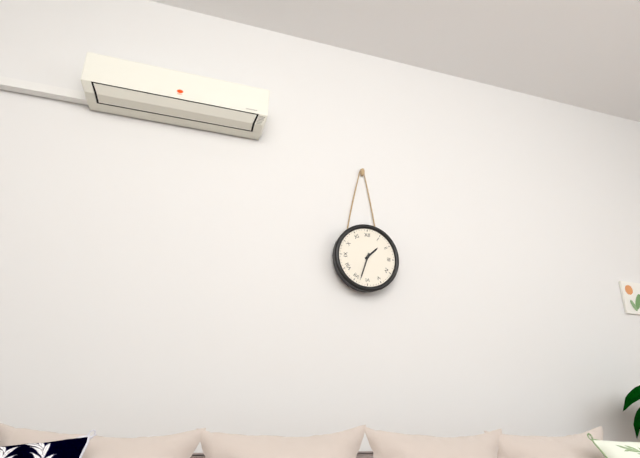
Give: 1:33
